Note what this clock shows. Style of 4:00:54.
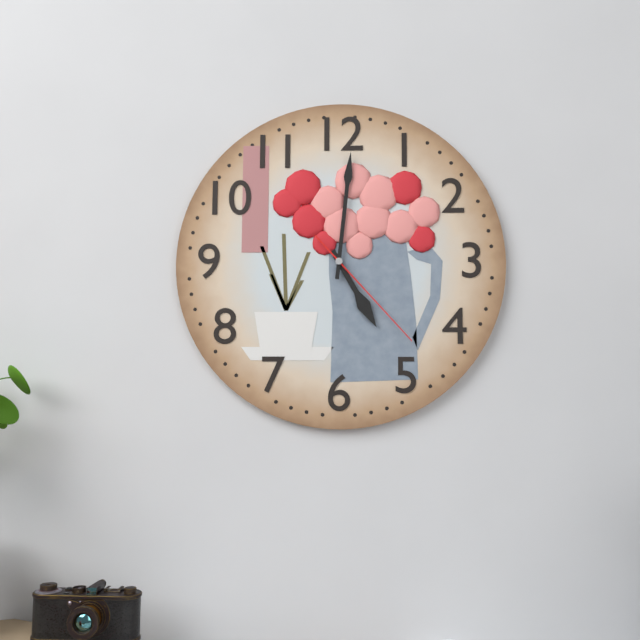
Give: 5:01:23
